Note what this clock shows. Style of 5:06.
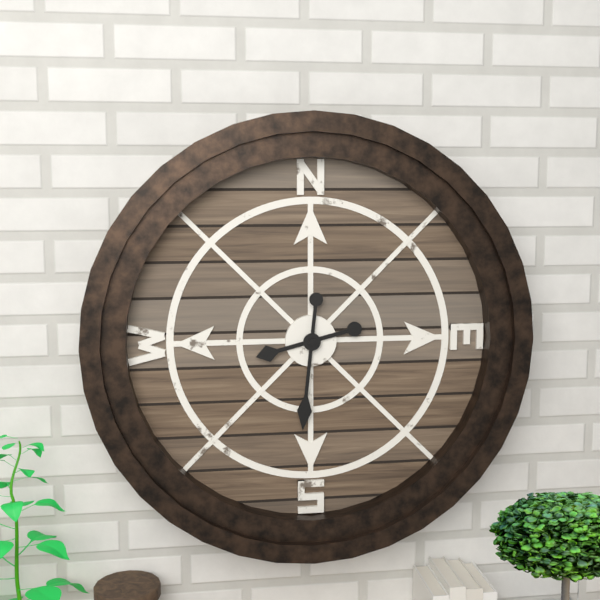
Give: 8:31
